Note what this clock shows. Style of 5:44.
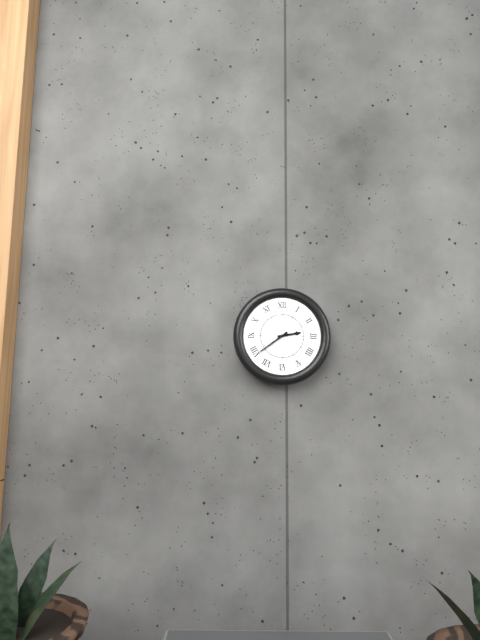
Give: 2:39
